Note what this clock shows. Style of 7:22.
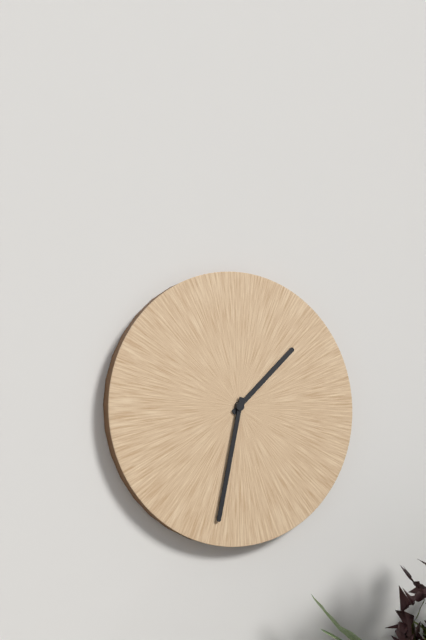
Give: 1:32
